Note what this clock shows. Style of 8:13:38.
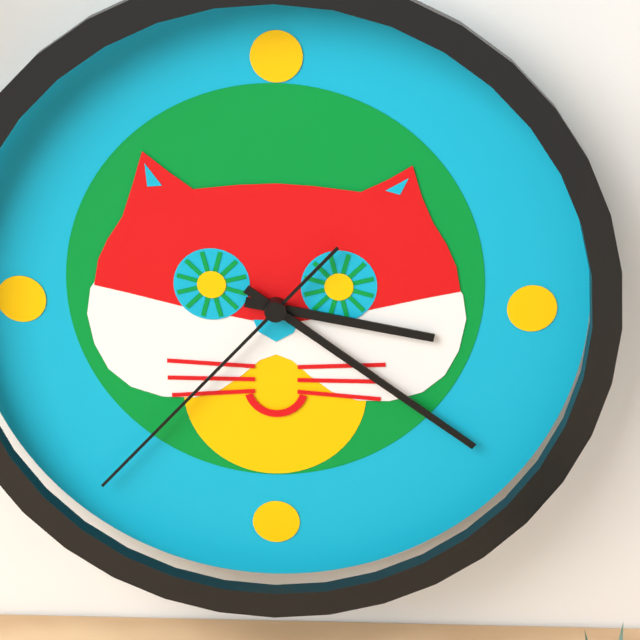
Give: 3:21:37
